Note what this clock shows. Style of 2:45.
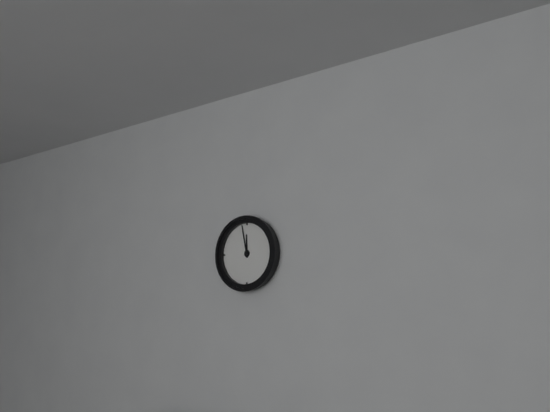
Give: 11:58
